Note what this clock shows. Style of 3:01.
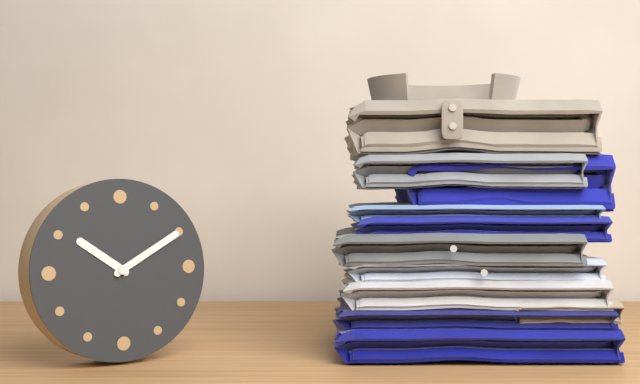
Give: 10:10
